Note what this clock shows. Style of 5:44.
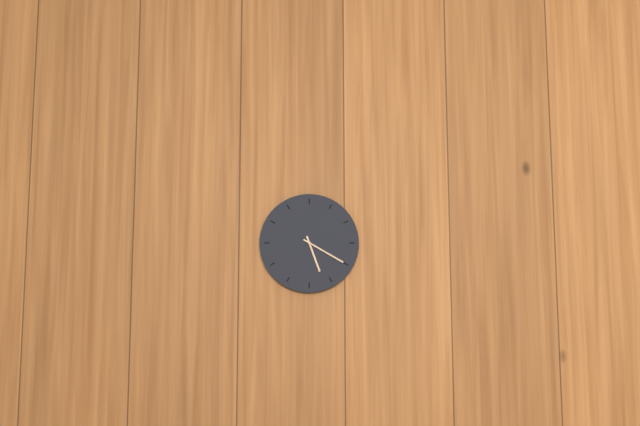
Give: 5:20
